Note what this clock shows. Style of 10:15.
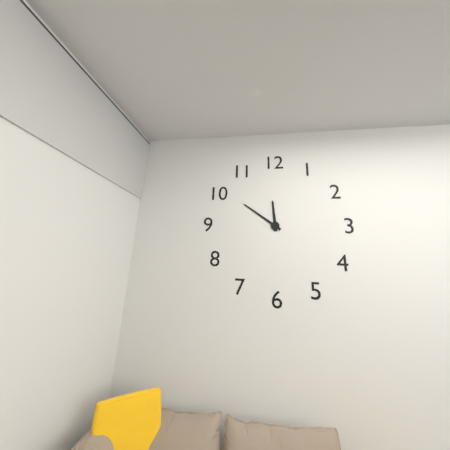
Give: 11:51
